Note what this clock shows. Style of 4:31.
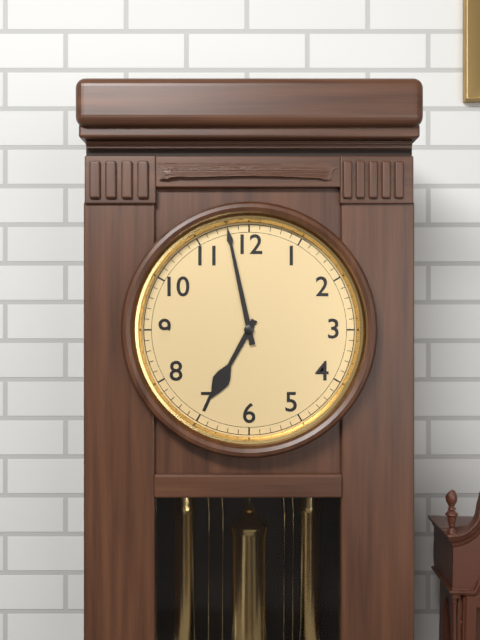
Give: 6:58
